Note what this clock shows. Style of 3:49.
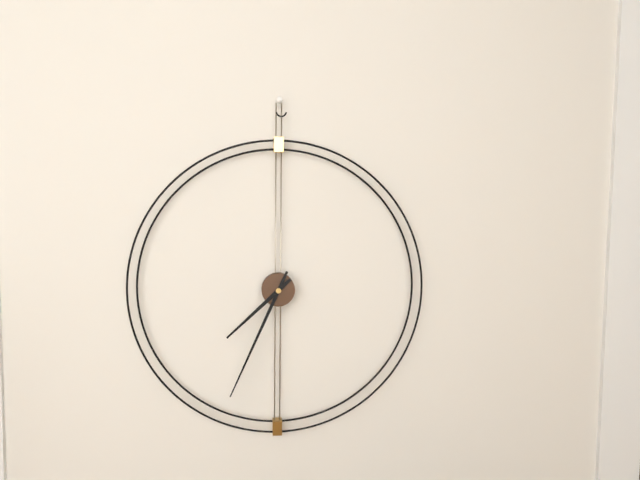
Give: 7:34
